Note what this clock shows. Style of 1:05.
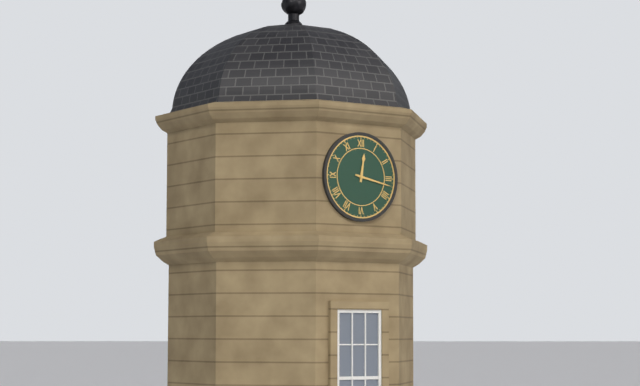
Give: 12:17
